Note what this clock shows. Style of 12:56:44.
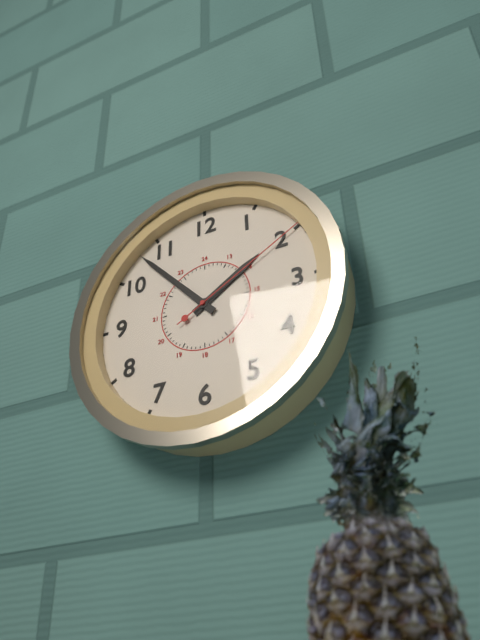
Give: 1:53:10
